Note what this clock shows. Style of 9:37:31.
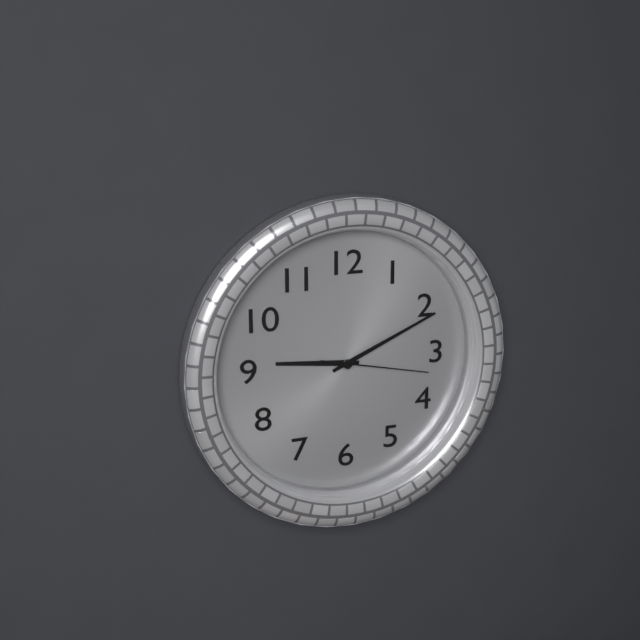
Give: 9:11:17
